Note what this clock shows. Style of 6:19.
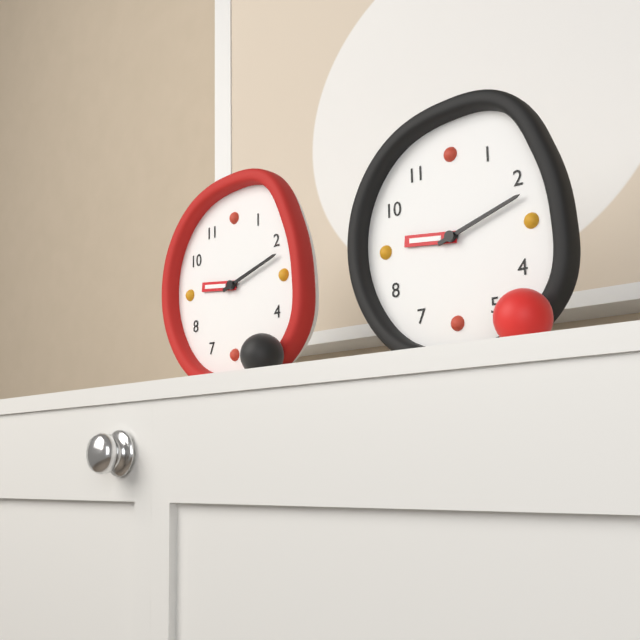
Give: 9:12
